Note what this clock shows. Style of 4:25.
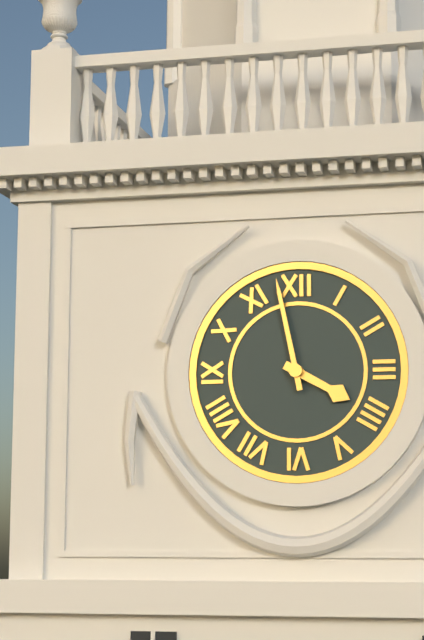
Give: 3:58
